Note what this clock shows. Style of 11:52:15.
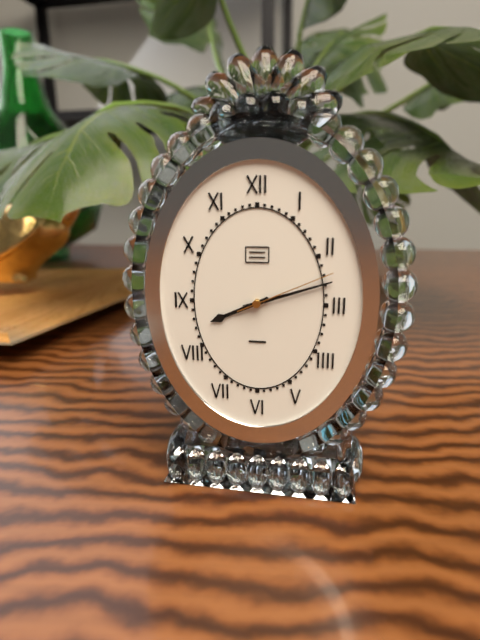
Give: 8:12:11
